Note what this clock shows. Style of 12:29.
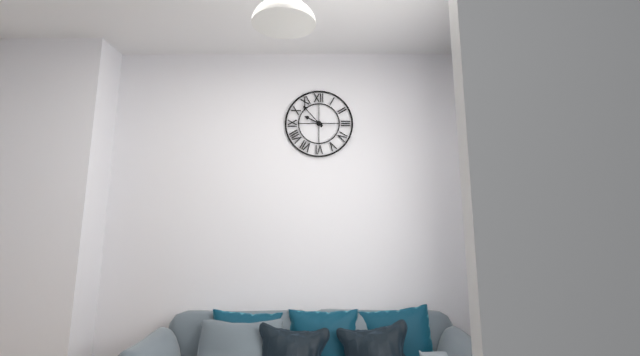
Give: 9:53
